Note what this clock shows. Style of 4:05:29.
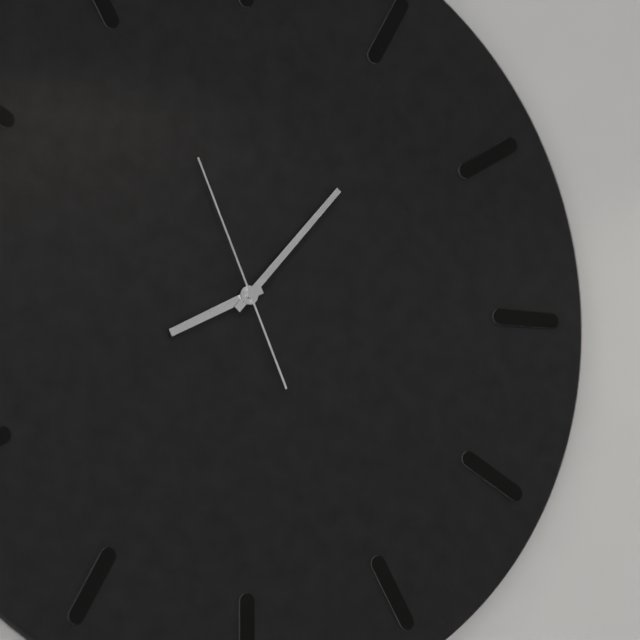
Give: 8:07:56
